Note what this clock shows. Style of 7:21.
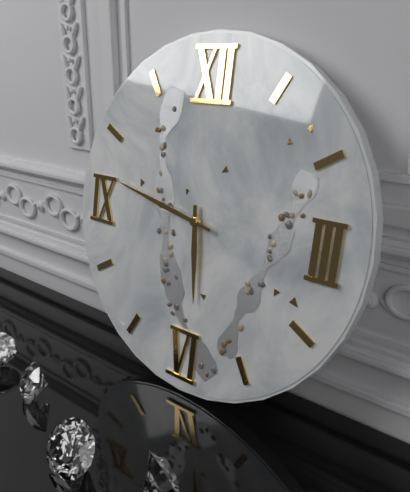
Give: 5:47
